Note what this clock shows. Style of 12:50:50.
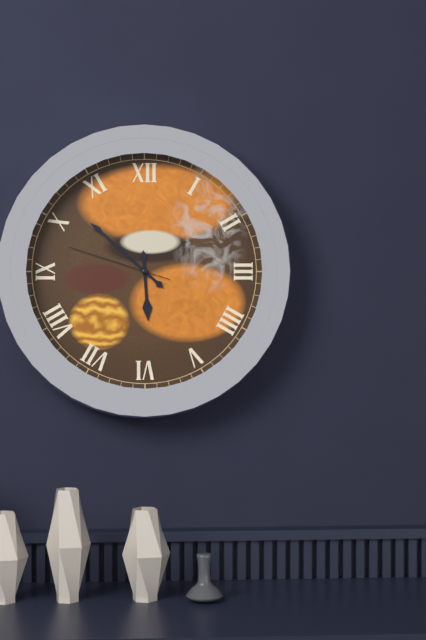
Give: 5:52:48
